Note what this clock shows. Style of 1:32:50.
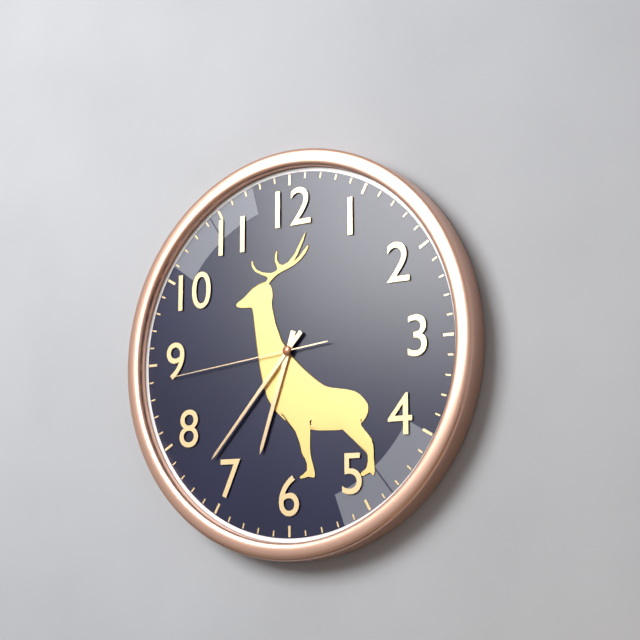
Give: 6:37:44
